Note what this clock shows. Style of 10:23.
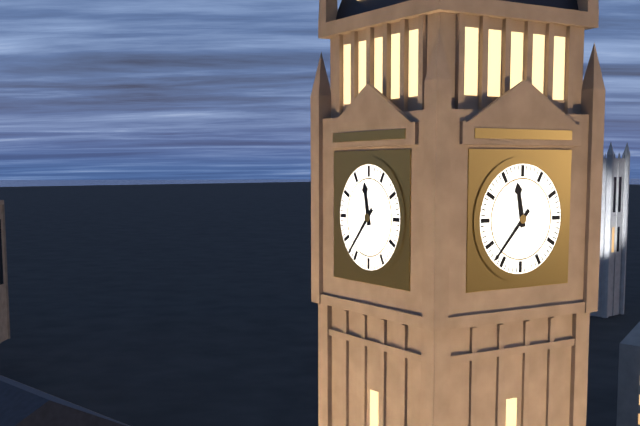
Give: 11:37
